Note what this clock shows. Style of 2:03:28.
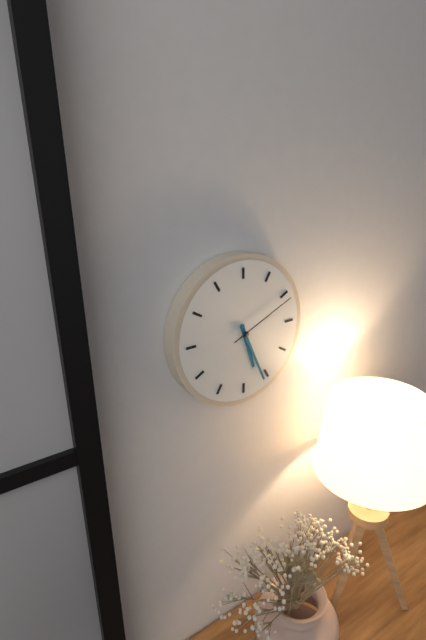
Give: 5:26:11
